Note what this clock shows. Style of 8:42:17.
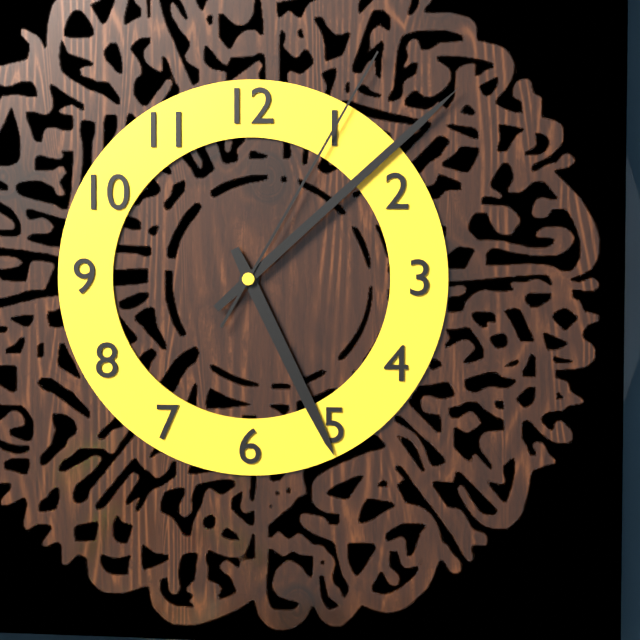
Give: 5:08:05
